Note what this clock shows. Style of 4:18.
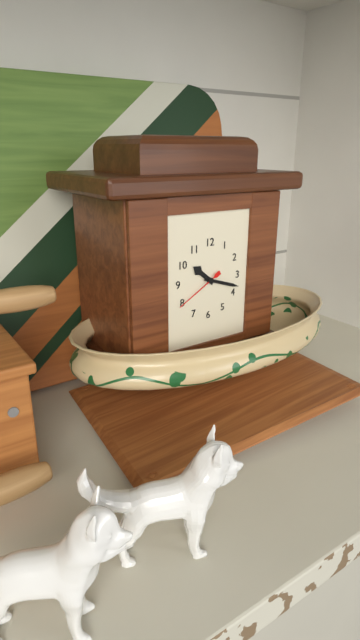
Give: 10:18
